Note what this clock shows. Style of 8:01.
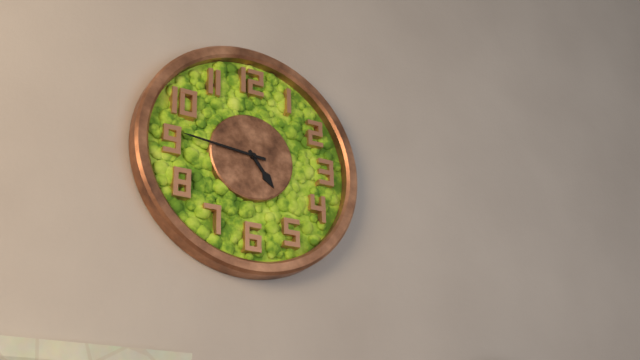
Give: 4:46
